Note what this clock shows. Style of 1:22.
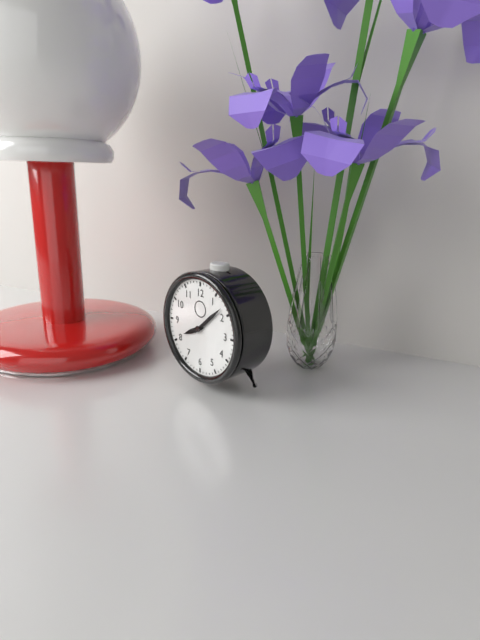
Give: 8:08
